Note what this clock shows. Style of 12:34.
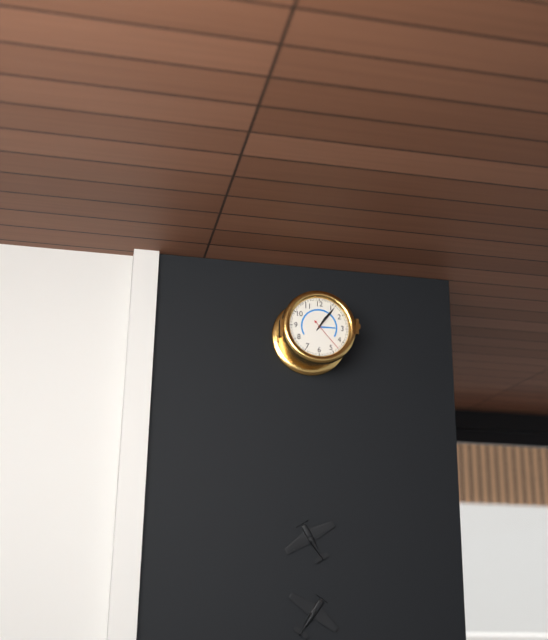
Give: 1:06
